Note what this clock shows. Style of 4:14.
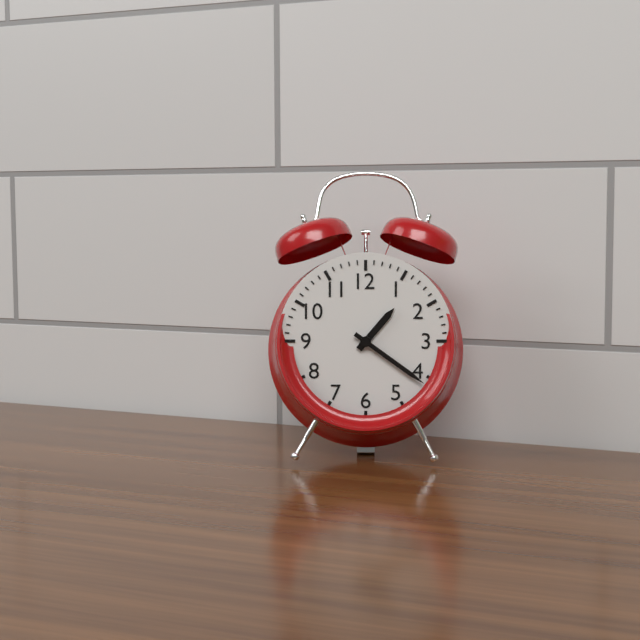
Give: 1:21
